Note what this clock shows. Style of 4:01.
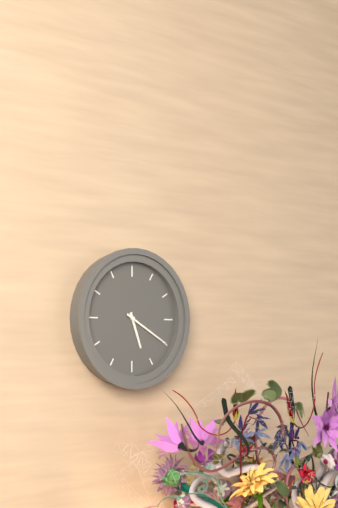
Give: 5:20
